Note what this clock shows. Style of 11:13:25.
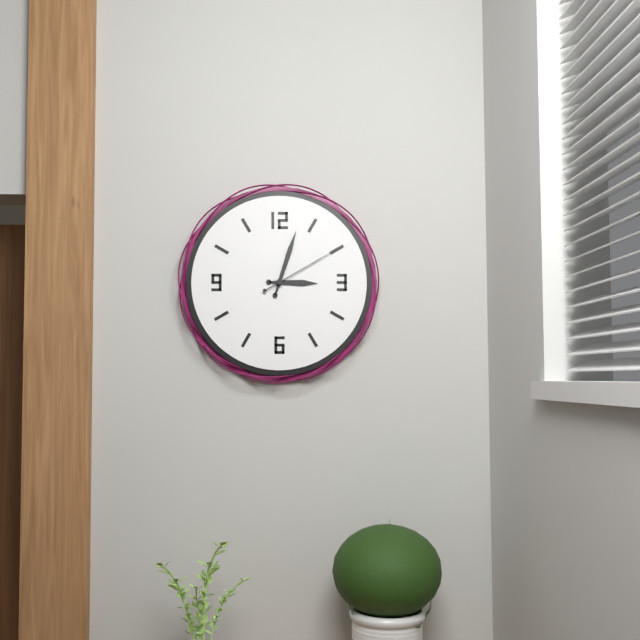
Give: 3:03:10
